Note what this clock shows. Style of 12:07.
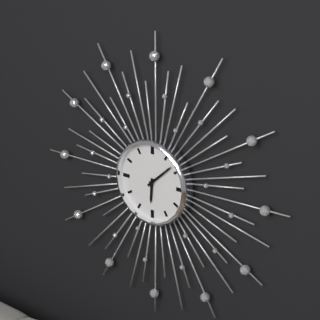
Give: 6:08
